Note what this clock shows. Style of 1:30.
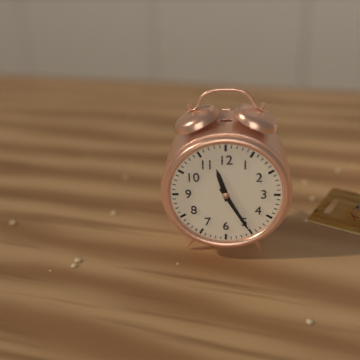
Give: 11:25
